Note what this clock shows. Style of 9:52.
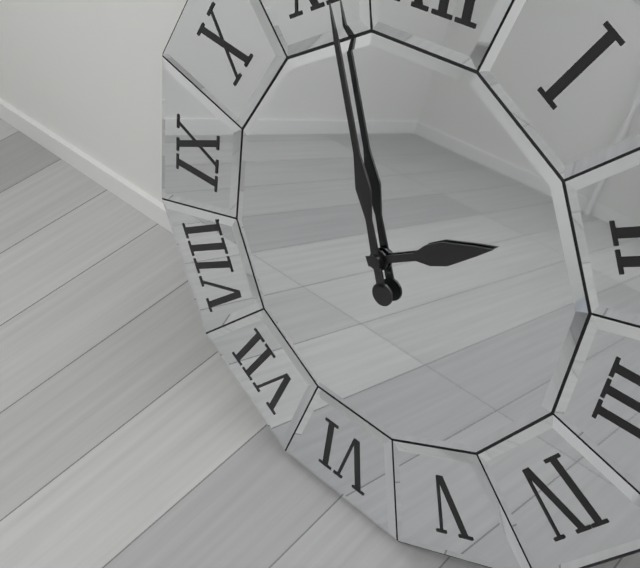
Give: 1:56
